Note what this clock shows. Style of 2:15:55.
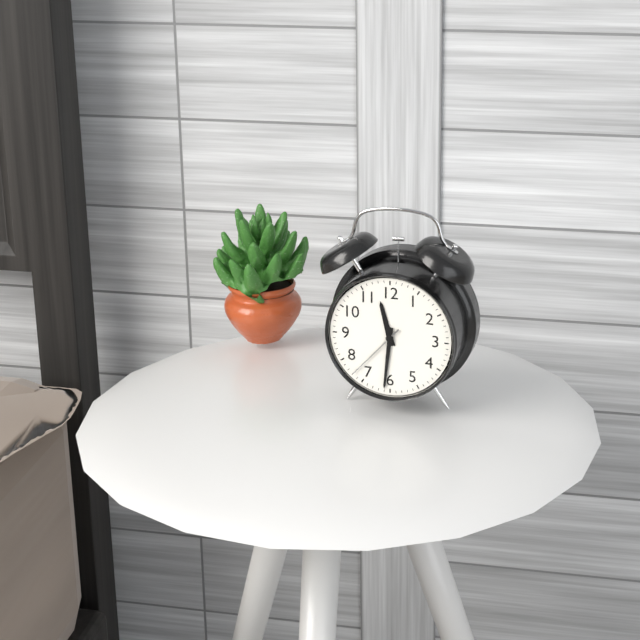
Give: 11:31:37
